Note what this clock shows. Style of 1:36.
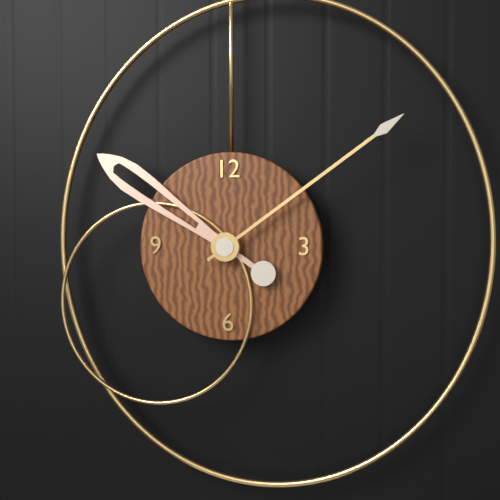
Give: 10:09
